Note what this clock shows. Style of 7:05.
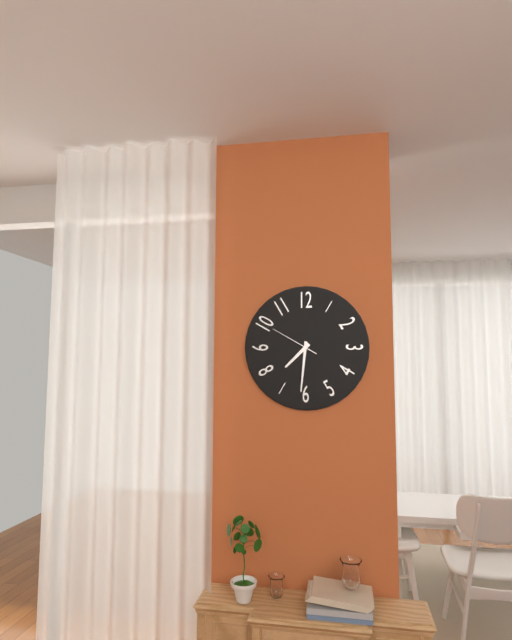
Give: 7:31
